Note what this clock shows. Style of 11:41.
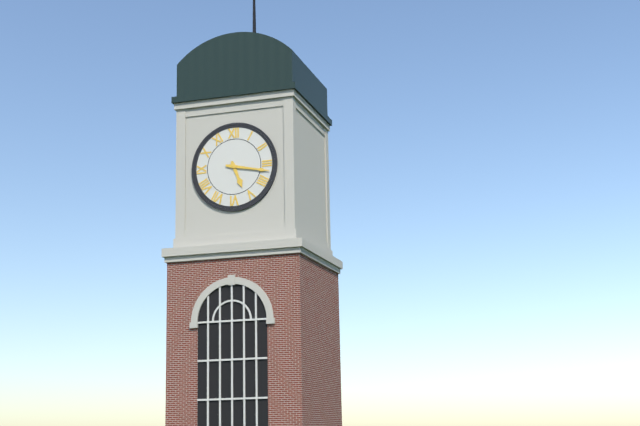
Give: 5:17
